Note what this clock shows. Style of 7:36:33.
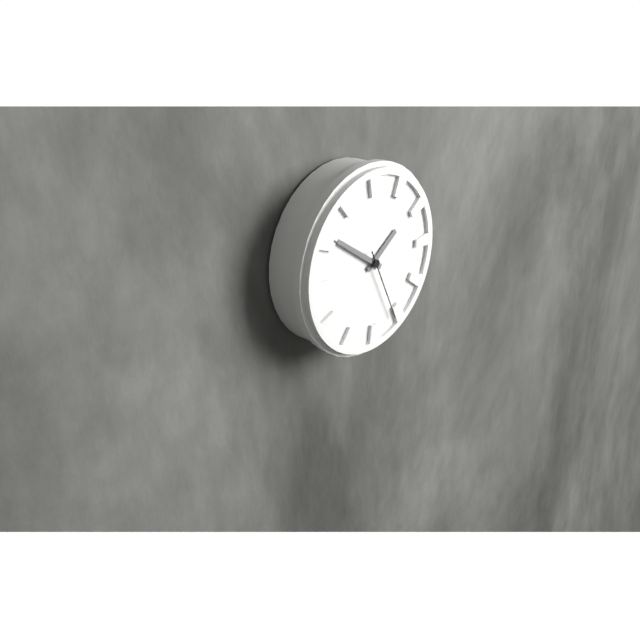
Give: 1:51:26
